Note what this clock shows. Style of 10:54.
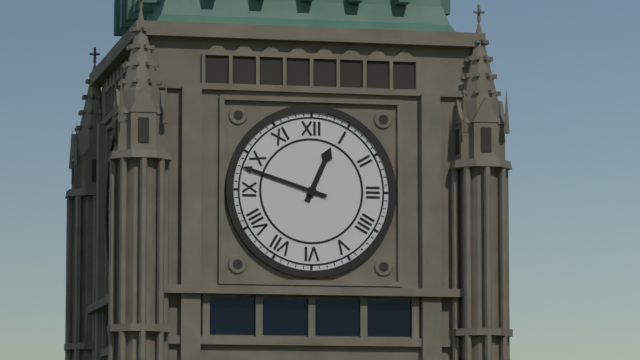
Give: 12:48
